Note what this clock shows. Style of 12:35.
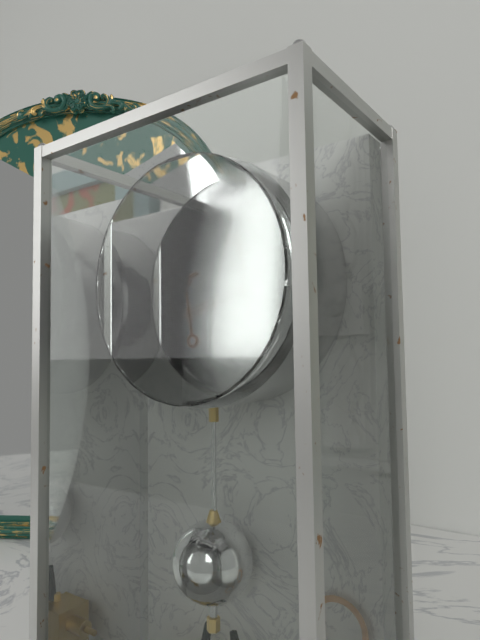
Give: 11:42
